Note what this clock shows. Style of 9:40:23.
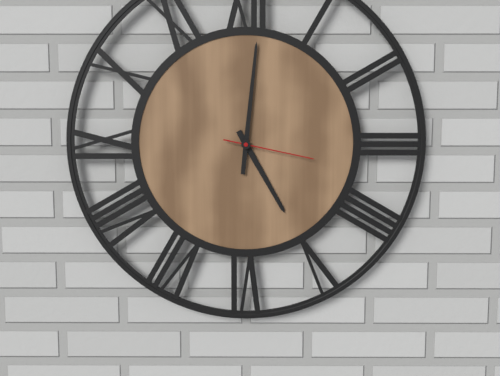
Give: 5:01:17
